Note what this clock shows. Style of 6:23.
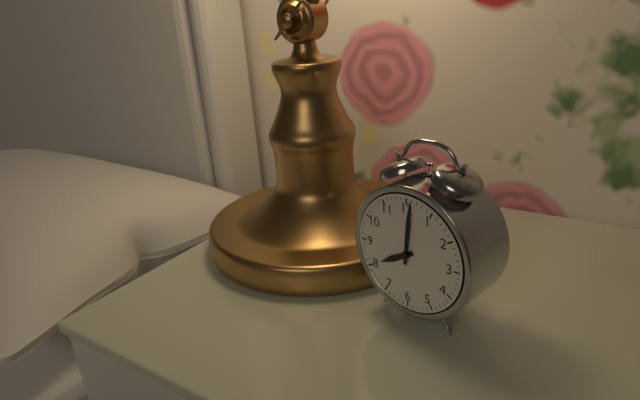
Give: 8:01
